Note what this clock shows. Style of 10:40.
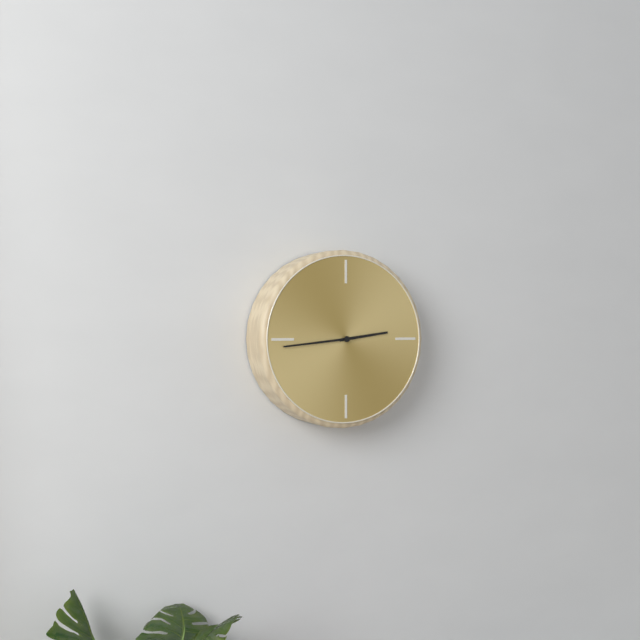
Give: 2:44
